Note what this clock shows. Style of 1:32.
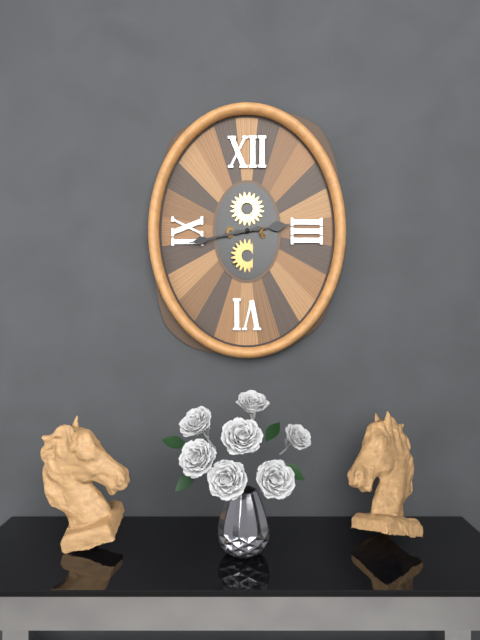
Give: 2:43
